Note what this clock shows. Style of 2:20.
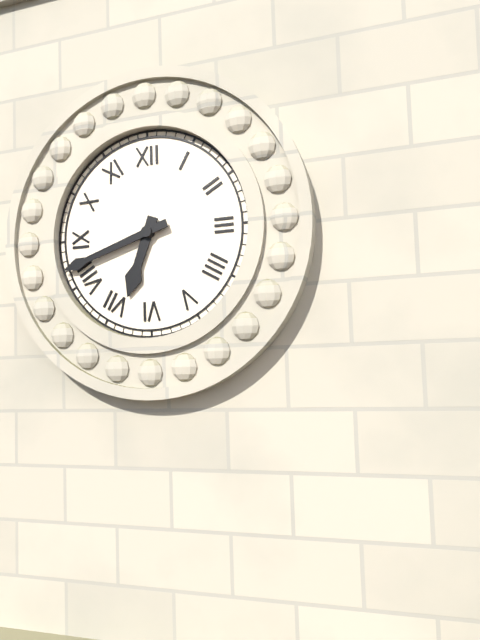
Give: 6:42
